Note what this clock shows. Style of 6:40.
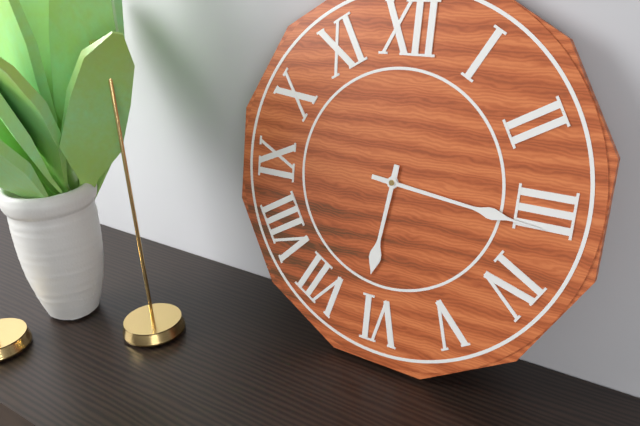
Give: 6:16
